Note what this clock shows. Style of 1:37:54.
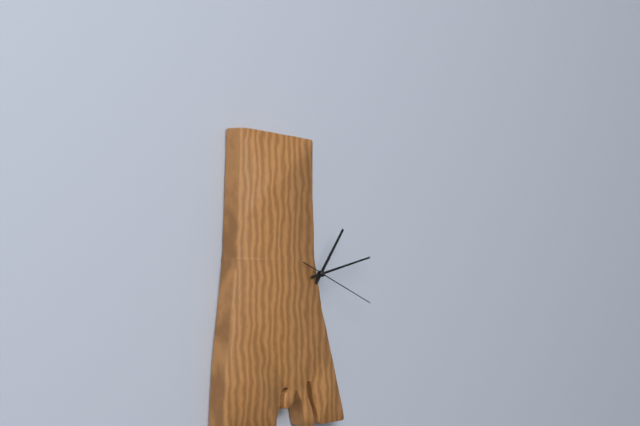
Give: 1:13:19
